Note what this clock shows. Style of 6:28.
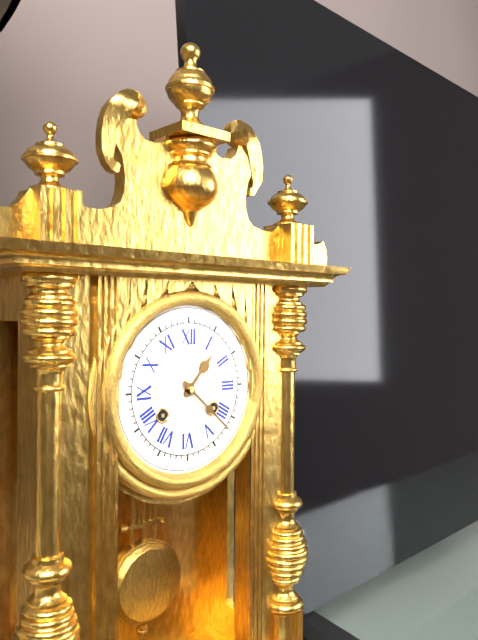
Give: 1:22
